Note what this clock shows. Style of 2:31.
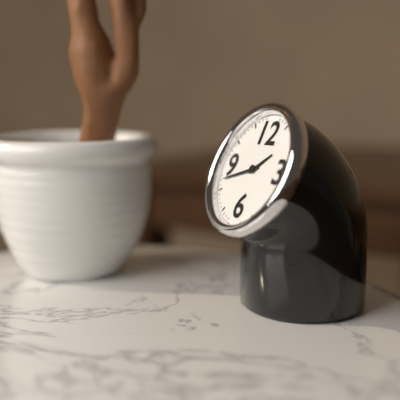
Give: 1:42
